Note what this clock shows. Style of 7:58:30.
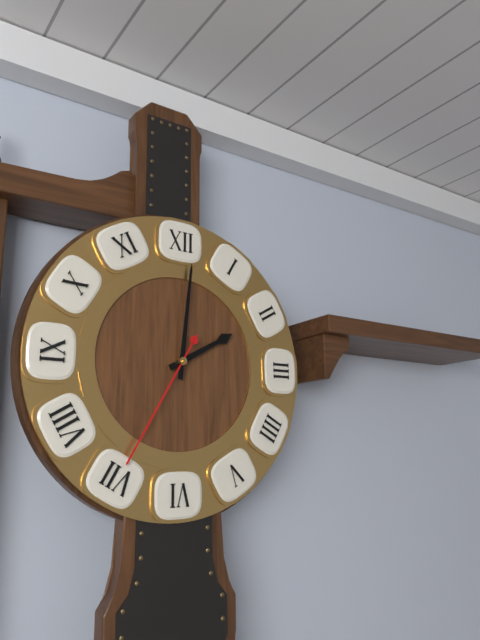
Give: 2:01:35
